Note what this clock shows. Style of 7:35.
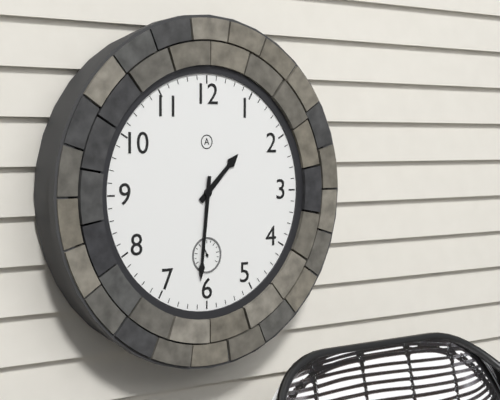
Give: 1:31
